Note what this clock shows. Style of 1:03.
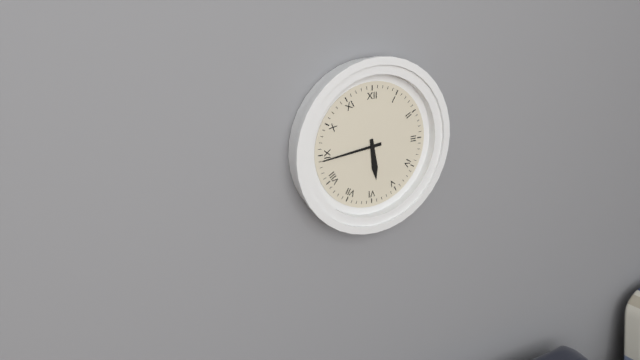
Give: 5:44
